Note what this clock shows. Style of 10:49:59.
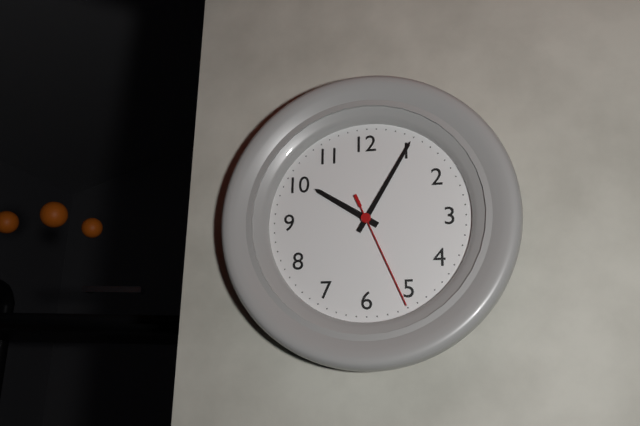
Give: 10:05:26
